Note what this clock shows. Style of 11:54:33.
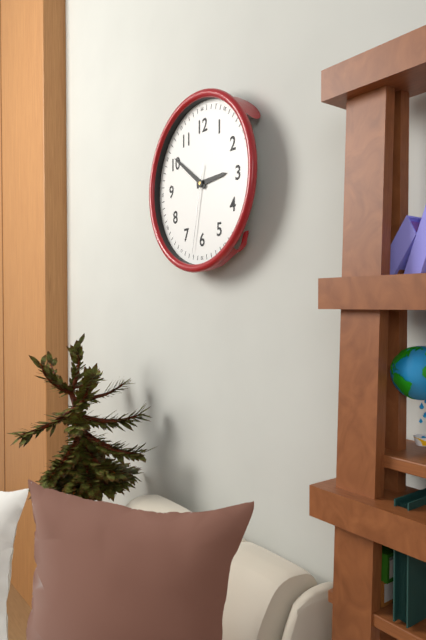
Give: 2:51:32
